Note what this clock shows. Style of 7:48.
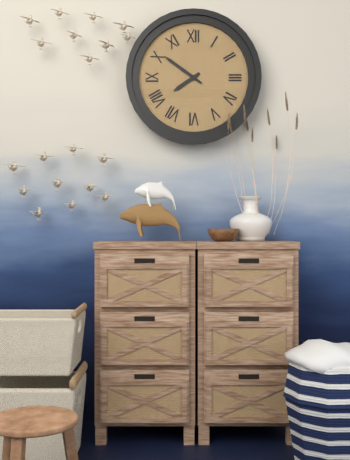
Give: 7:51
